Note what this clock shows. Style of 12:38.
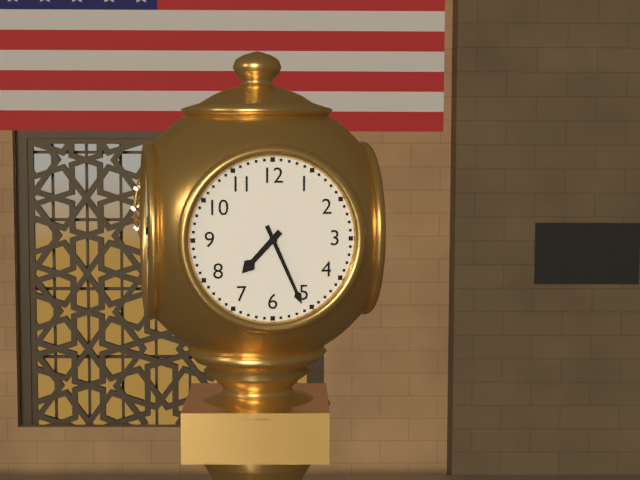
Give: 7:26
